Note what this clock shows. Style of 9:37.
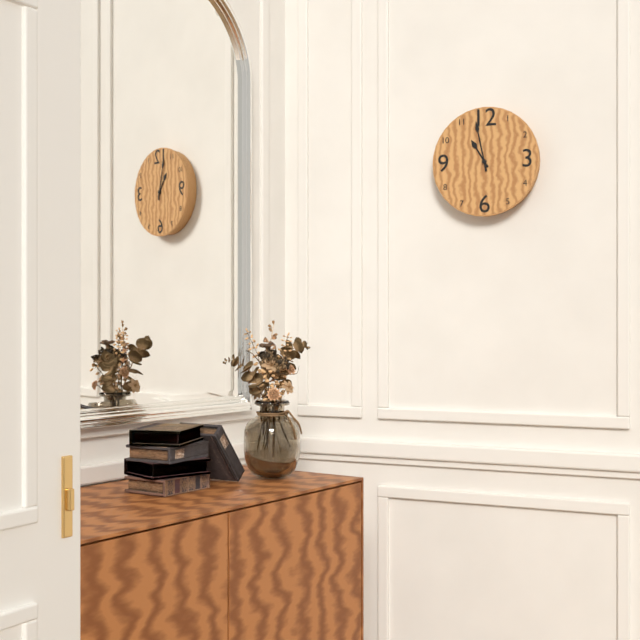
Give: 10:58
